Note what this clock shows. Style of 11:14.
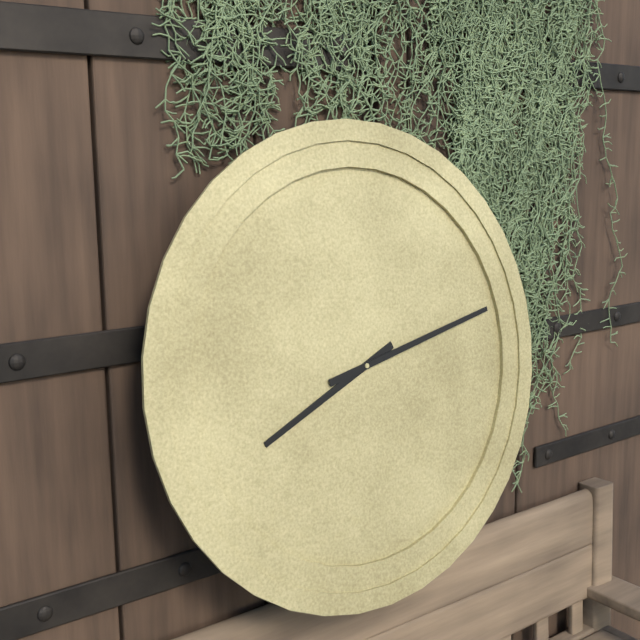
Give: 8:13
